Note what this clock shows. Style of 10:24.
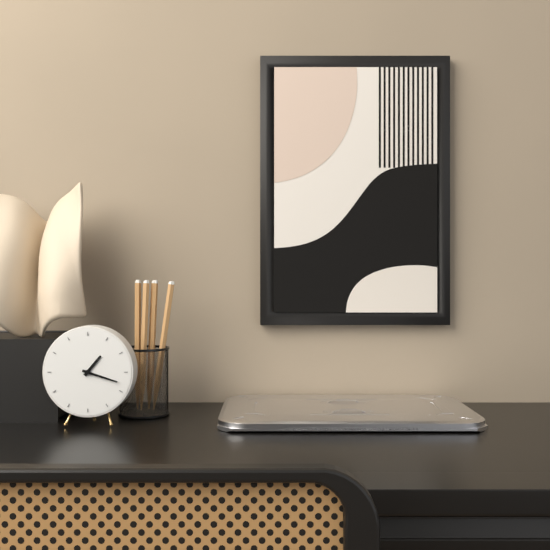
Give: 1:18
